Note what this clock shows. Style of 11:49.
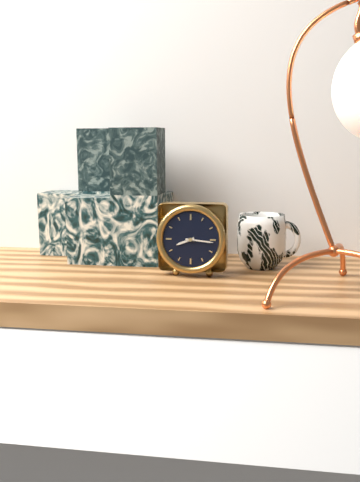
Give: 8:16
